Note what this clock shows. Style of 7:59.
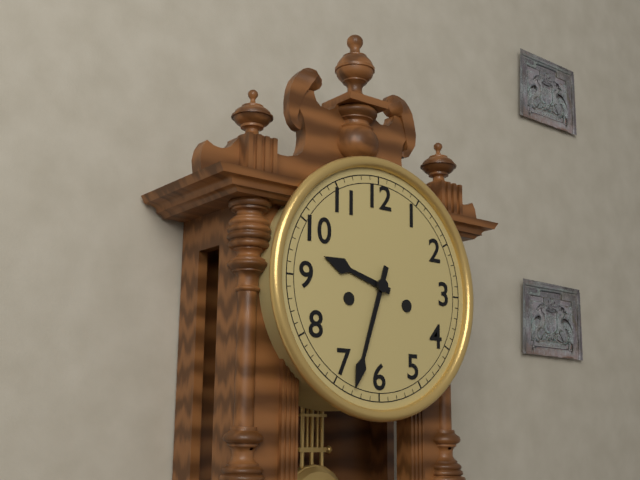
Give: 9:33
